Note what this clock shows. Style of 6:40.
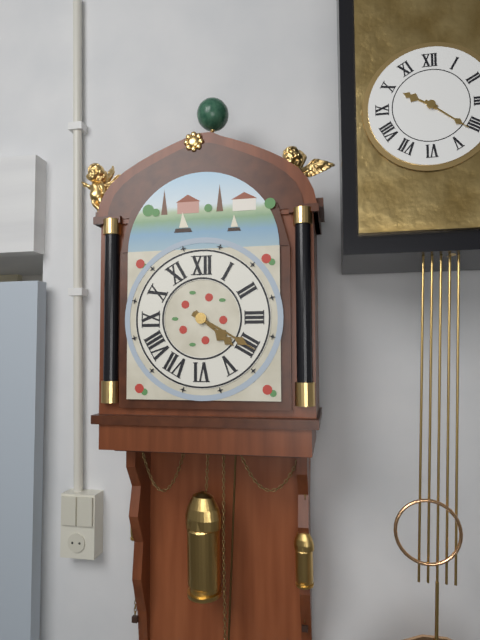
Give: 4:20
